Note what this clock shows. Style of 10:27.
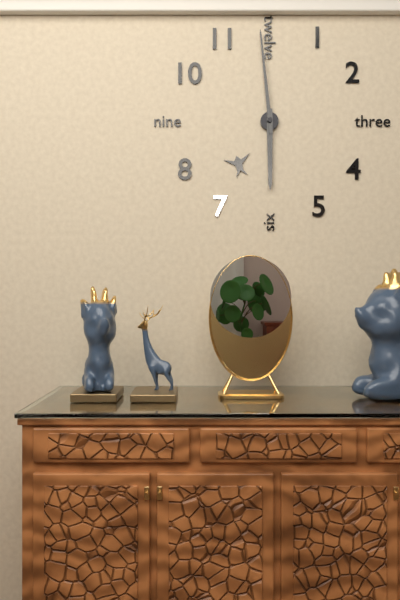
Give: 5:59
